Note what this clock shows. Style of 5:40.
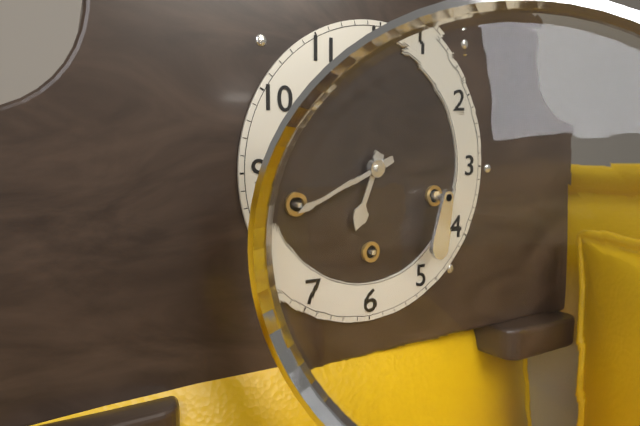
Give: 6:41
